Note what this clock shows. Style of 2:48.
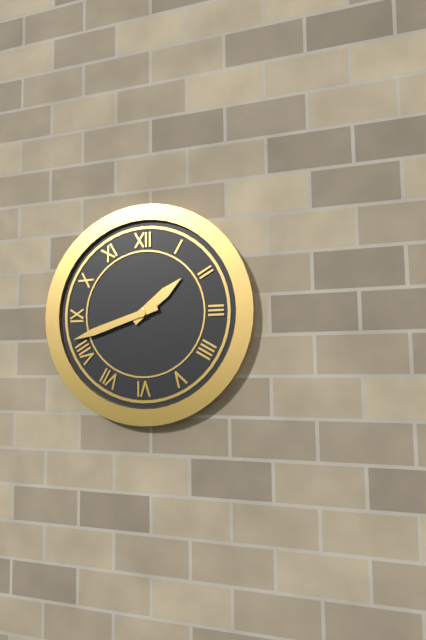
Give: 1:42
